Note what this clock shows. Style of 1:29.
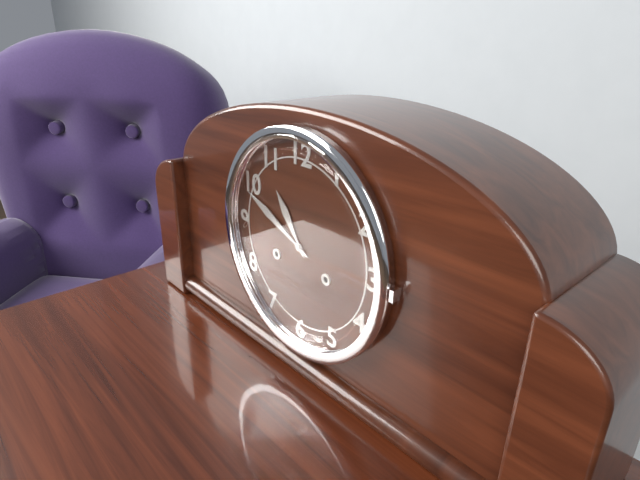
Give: 10:49
